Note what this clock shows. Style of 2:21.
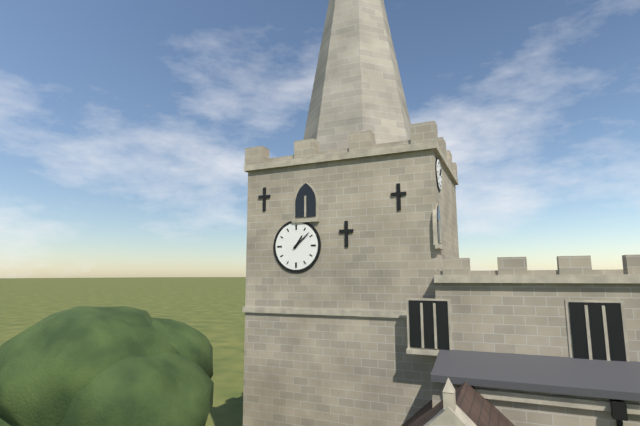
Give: 1:08
